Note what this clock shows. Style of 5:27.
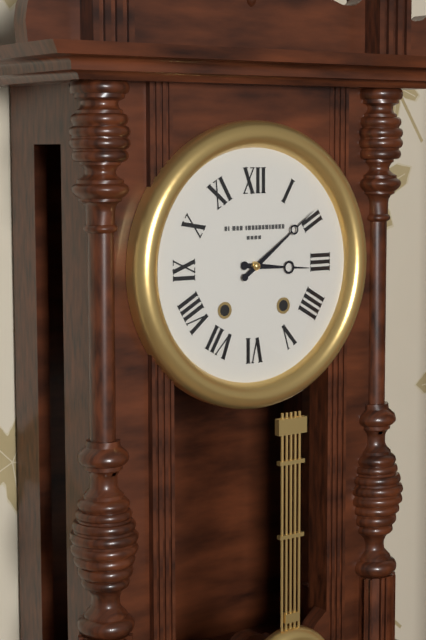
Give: 3:09
